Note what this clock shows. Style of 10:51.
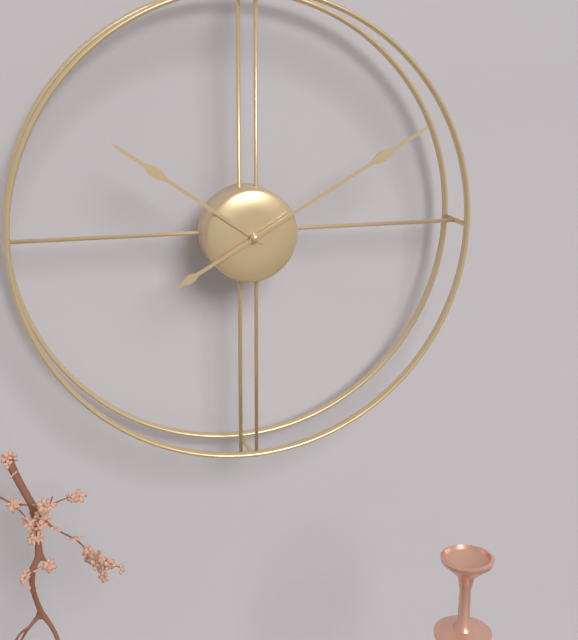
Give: 10:10
